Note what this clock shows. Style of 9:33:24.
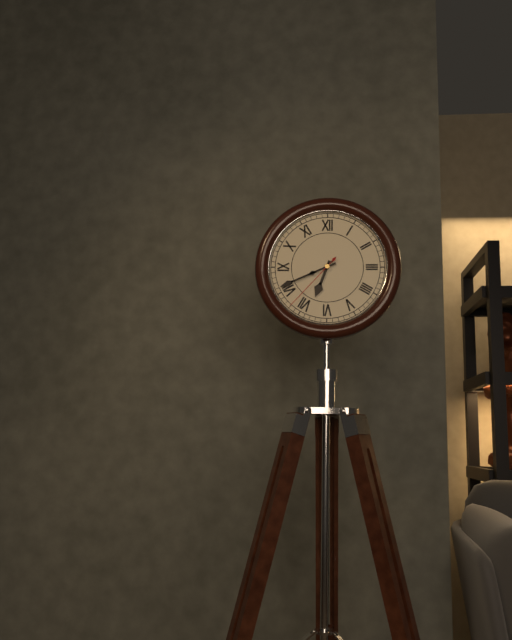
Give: 6:41:37
